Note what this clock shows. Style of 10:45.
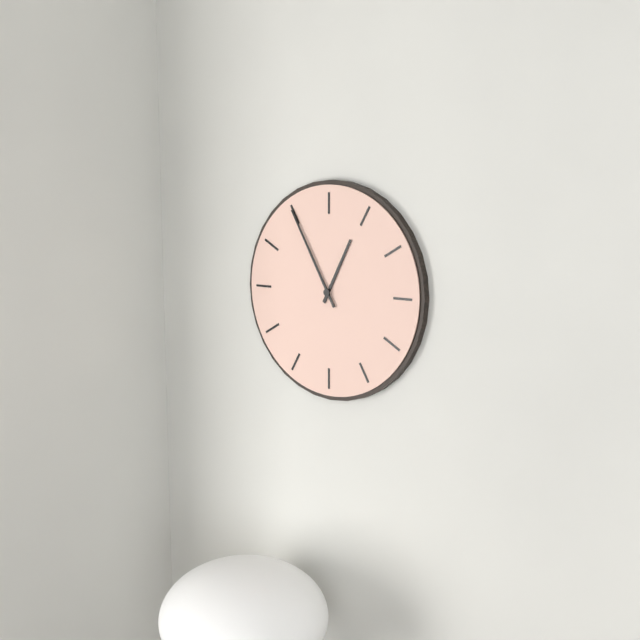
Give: 12:55
